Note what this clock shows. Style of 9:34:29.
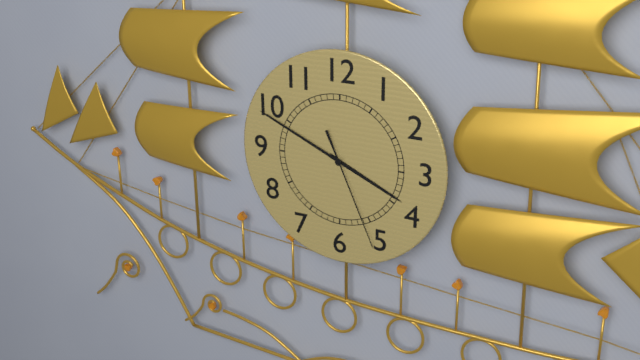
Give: 3:49:26
